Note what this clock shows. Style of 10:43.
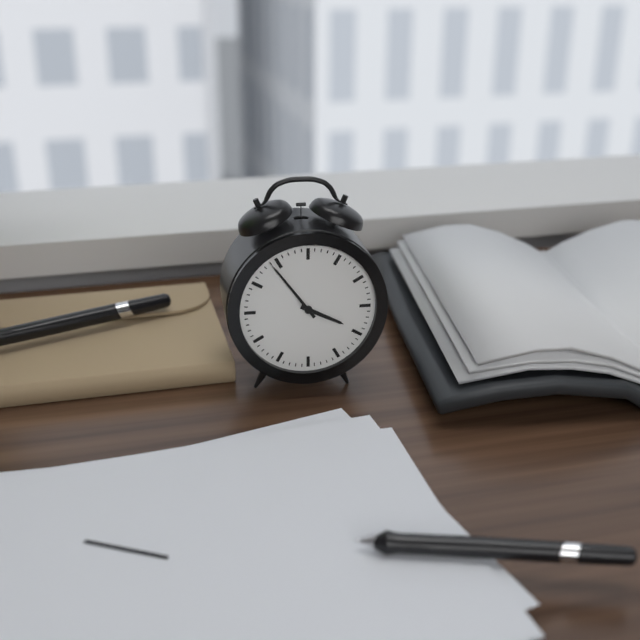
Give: 3:54
